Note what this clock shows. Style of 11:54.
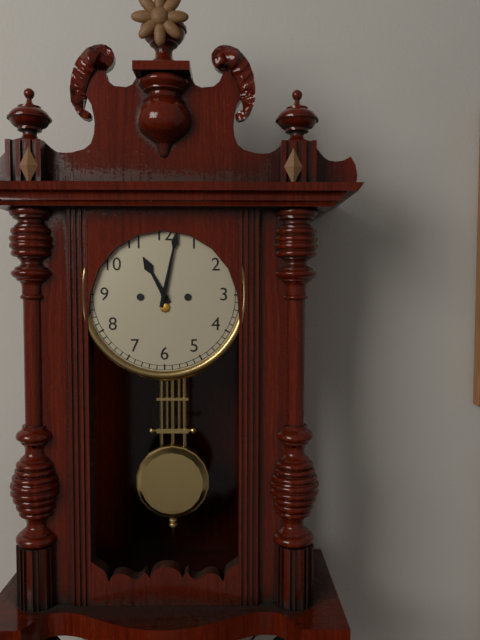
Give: 11:02
